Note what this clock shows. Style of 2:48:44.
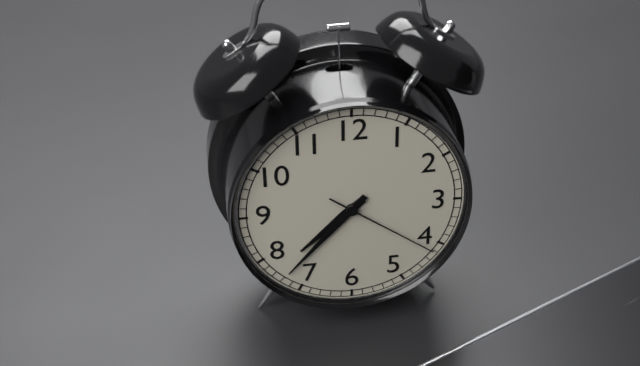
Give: 7:37:21
